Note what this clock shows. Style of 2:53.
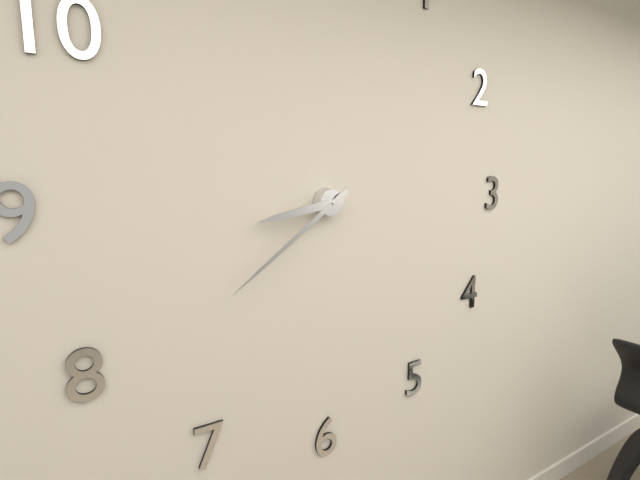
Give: 8:39
